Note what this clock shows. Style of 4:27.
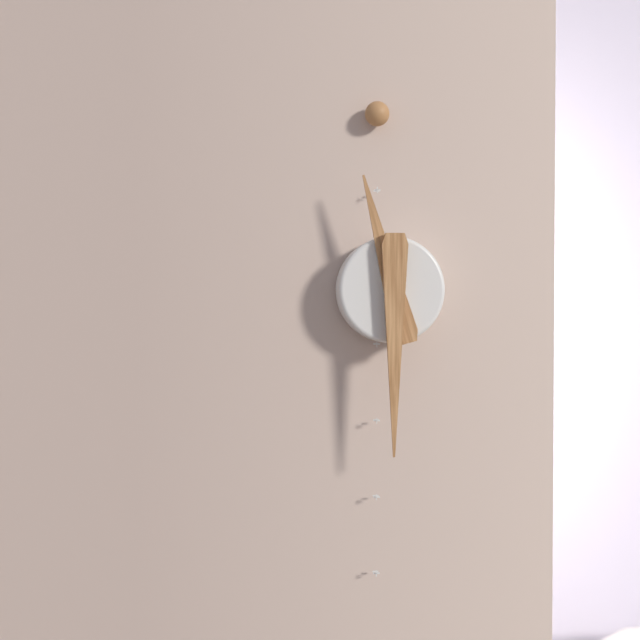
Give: 11:30
